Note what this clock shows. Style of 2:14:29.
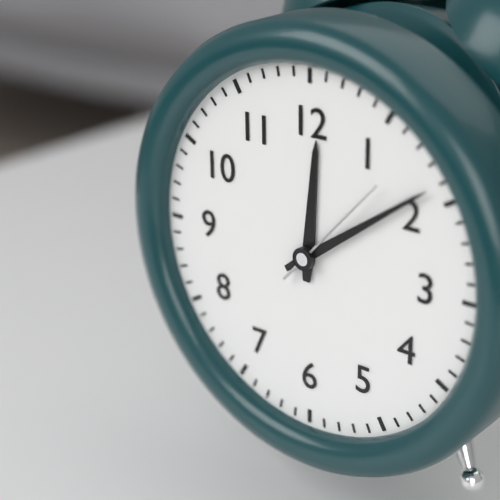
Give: 12:09:07
